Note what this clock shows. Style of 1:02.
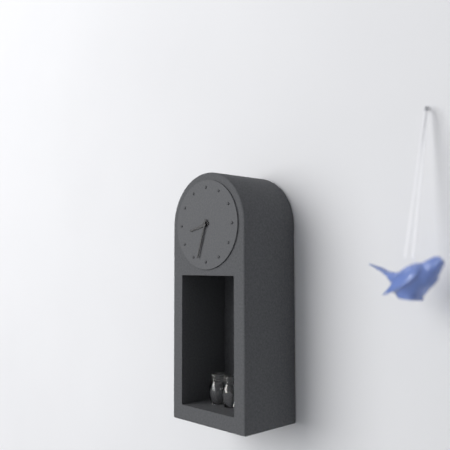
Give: 8:33
